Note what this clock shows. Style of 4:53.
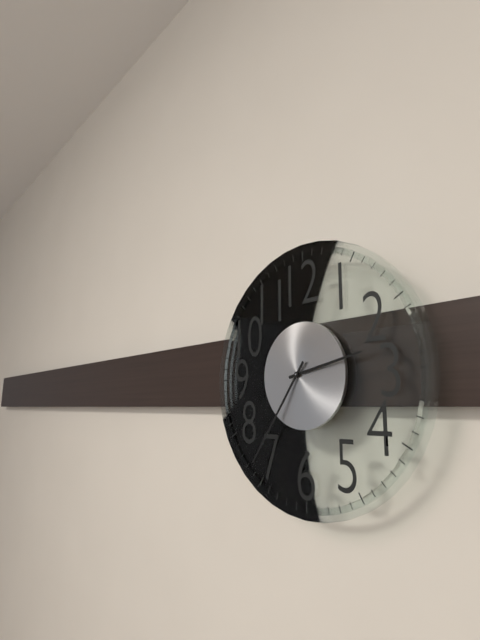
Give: 2:36
